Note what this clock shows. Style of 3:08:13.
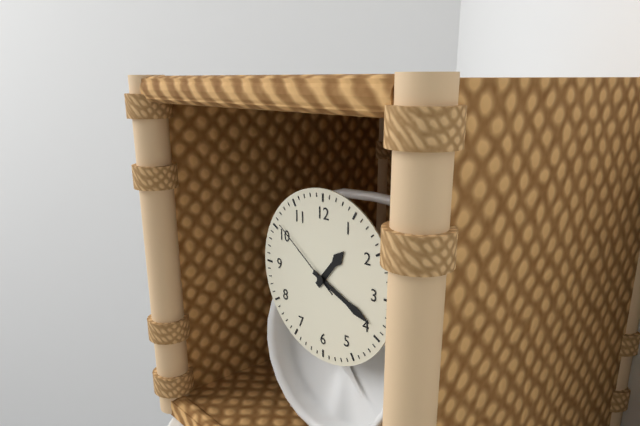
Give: 1:19:51
